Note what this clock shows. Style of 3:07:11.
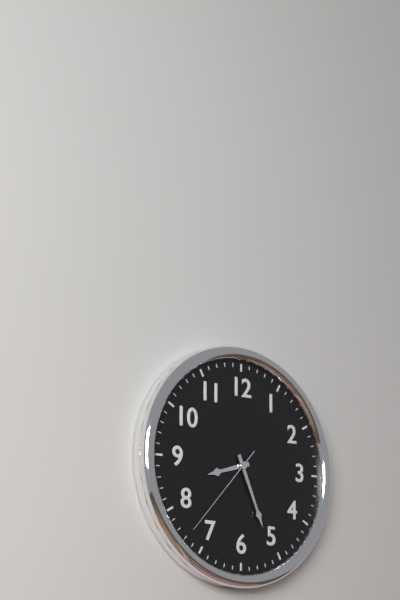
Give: 8:26:37
